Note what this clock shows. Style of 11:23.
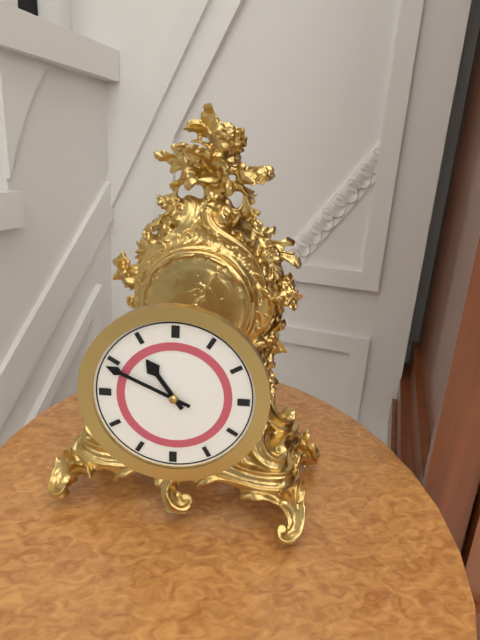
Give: 10:49
